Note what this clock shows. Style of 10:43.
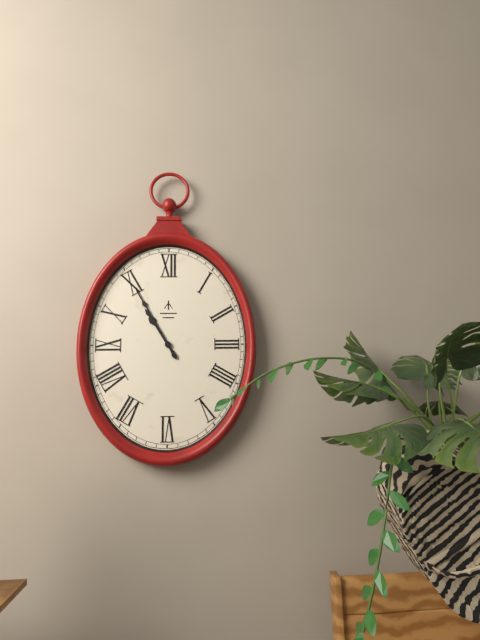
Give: 10:55
